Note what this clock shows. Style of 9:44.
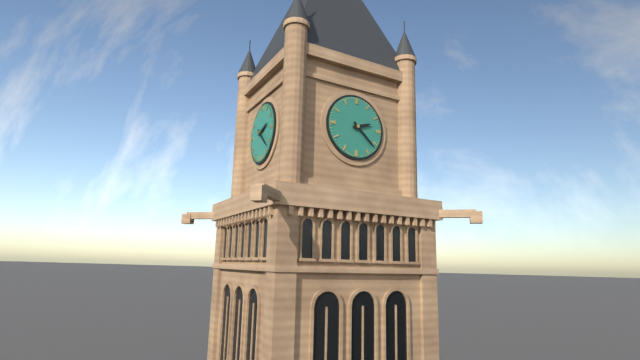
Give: 2:22
